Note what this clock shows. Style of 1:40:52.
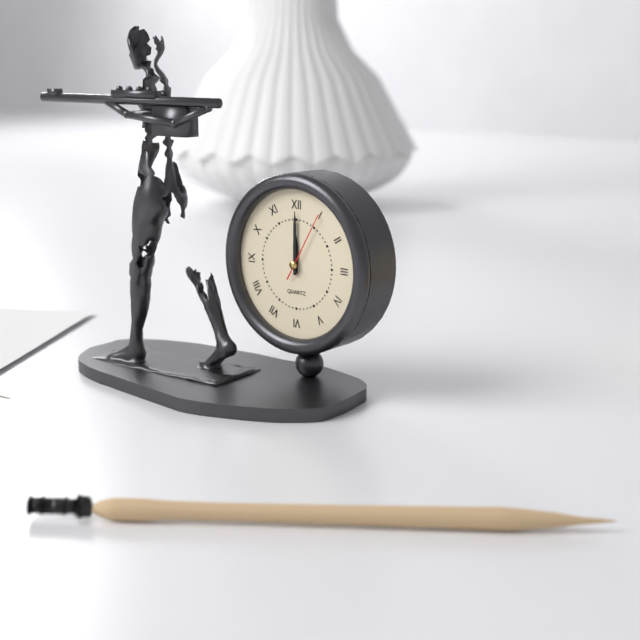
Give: 12:00:05
